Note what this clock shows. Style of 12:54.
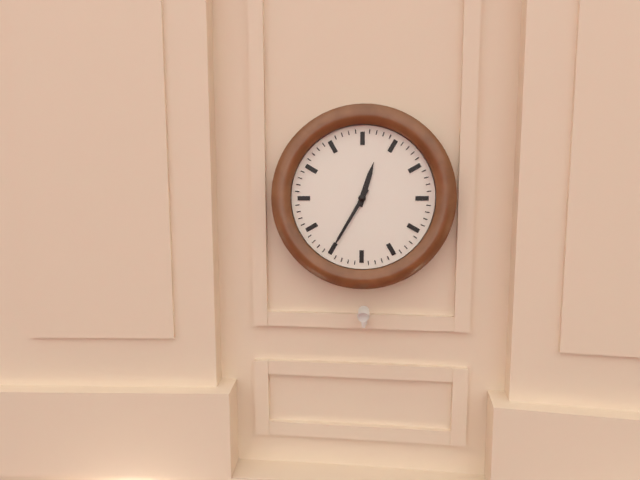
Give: 12:35
